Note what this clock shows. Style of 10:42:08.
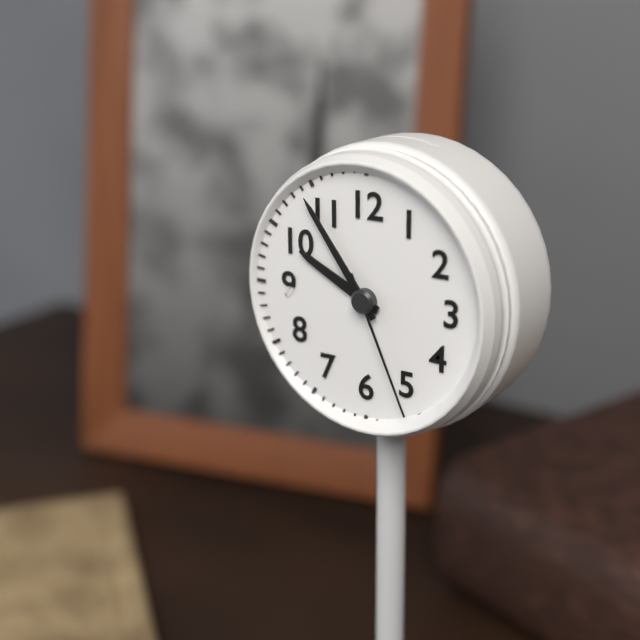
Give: 9:54:26
